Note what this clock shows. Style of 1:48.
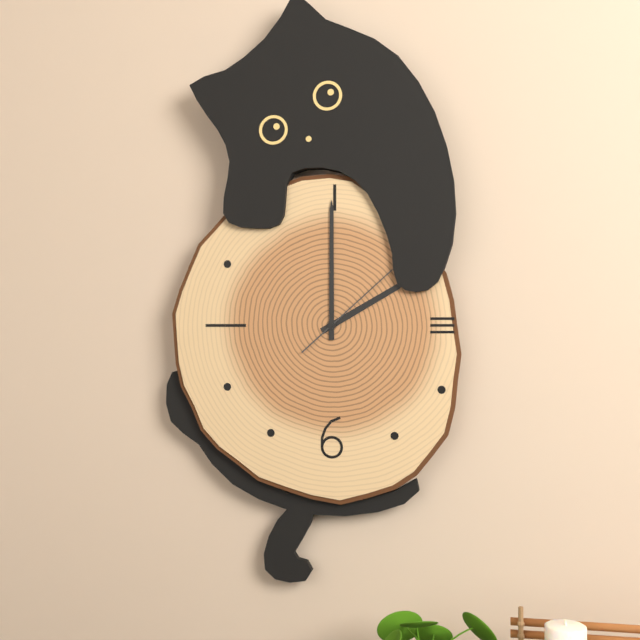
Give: 2:00
